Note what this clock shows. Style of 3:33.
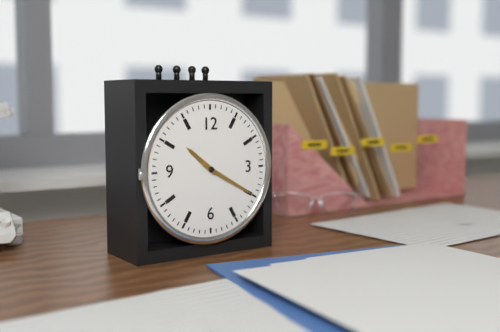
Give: 10:20
